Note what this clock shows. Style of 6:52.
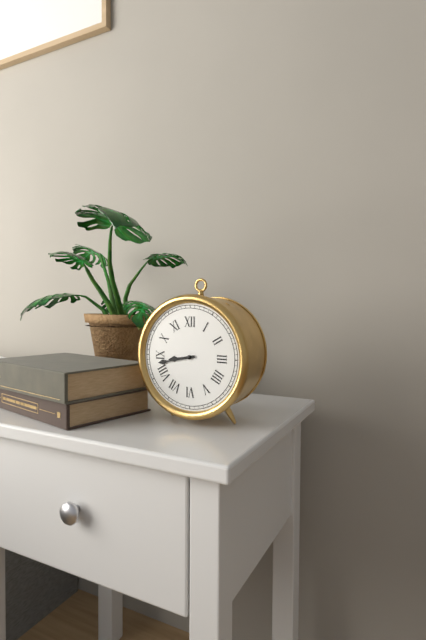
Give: 8:43
